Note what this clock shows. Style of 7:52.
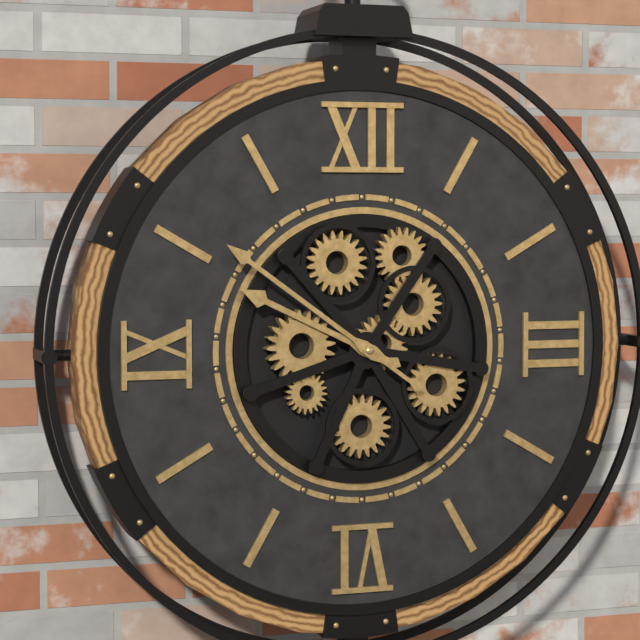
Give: 9:51
